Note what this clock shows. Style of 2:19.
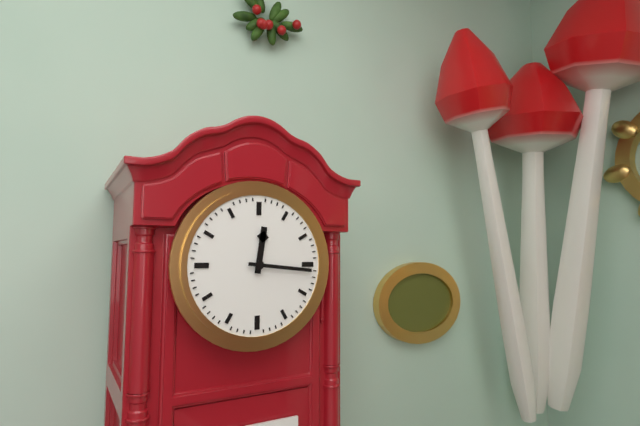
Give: 12:16
